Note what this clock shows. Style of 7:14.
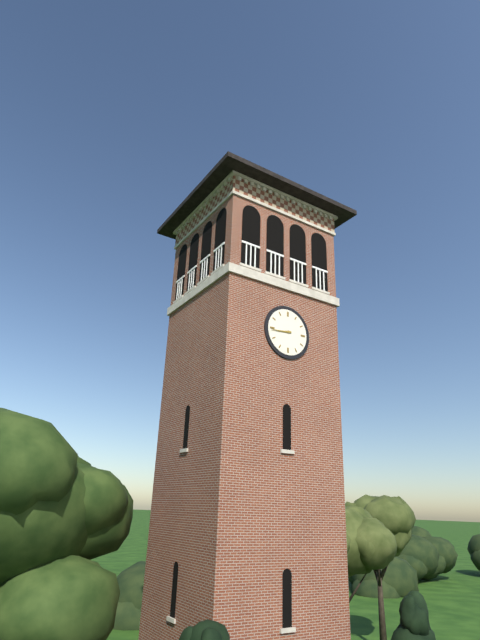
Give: 8:44
